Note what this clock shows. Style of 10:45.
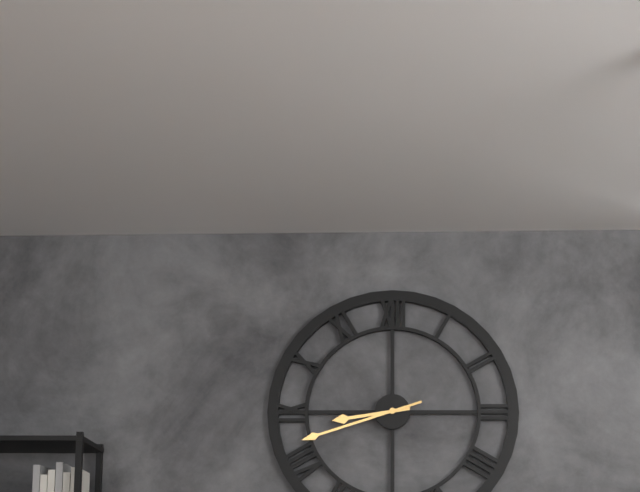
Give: 8:42
